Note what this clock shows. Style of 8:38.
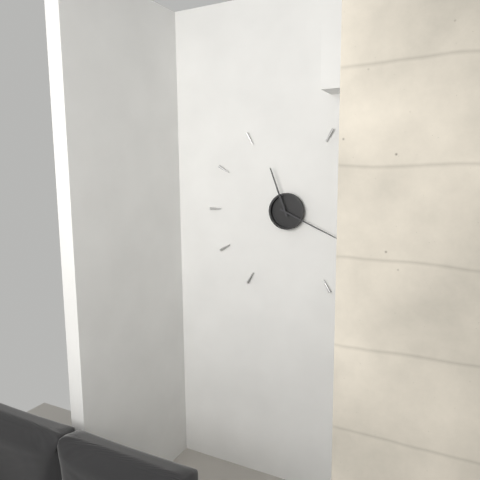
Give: 11:19
